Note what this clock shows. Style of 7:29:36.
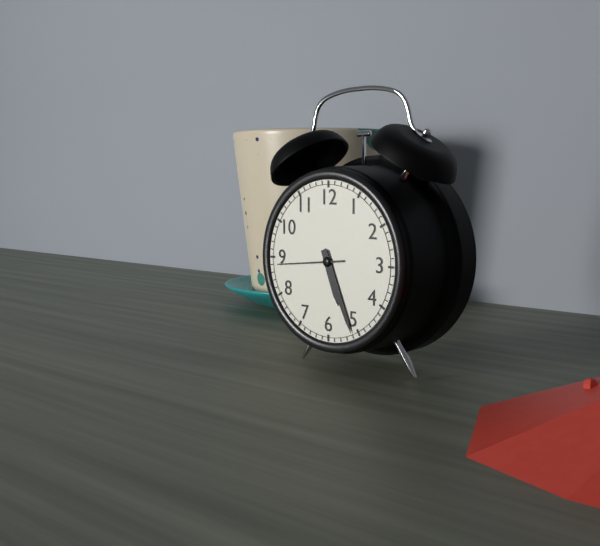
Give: 5:26:44
